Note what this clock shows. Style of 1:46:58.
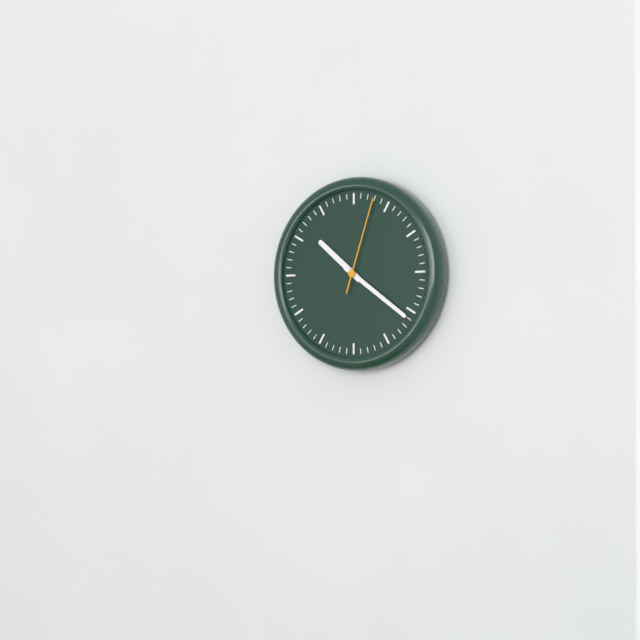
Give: 10:21:03
